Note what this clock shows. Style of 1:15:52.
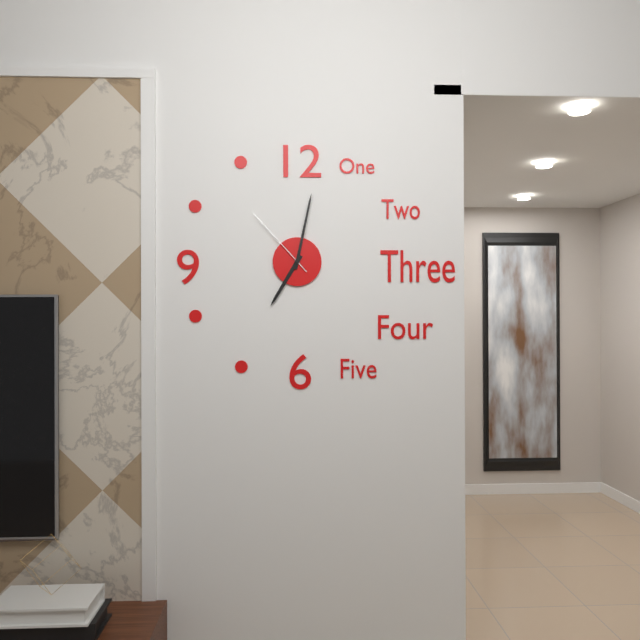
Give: 7:02:53
